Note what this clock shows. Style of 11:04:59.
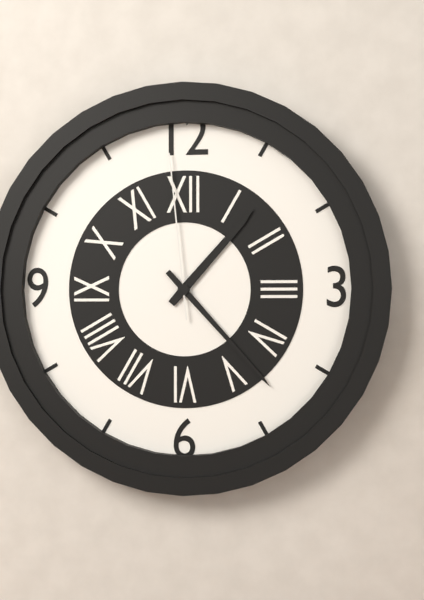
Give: 1:23:59
